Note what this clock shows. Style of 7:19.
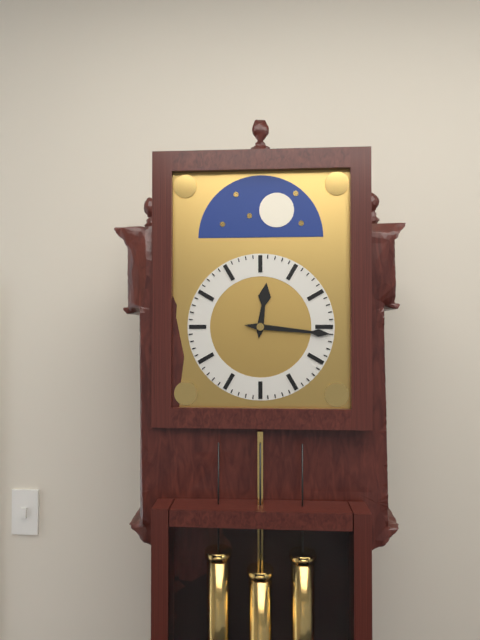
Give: 12:16
